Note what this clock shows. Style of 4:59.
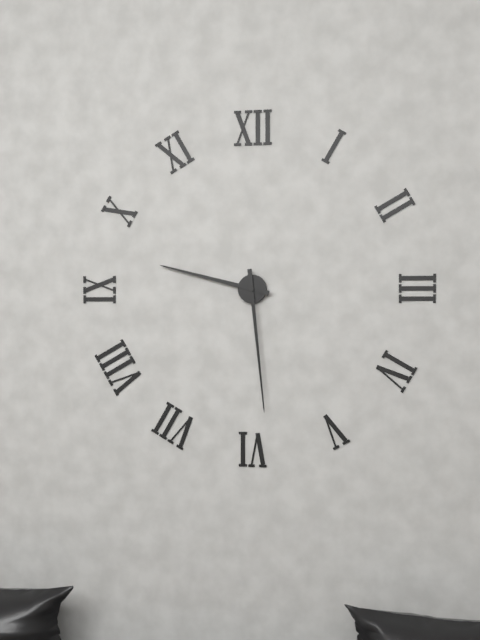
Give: 9:29
